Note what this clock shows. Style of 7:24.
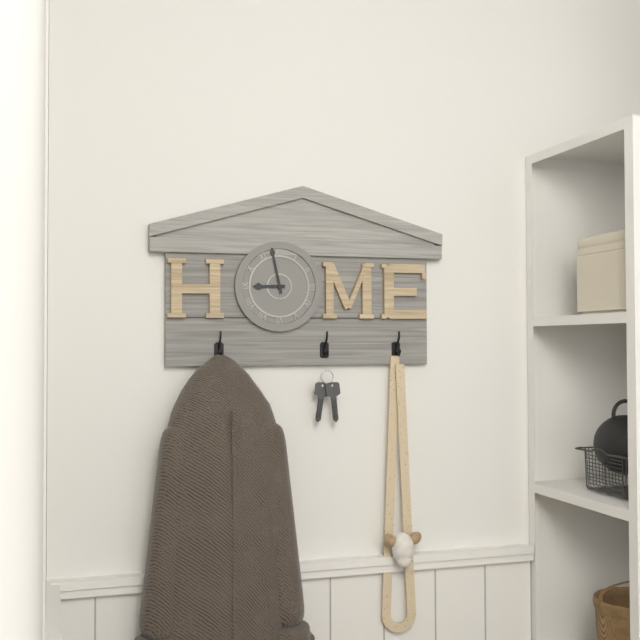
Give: 8:58
